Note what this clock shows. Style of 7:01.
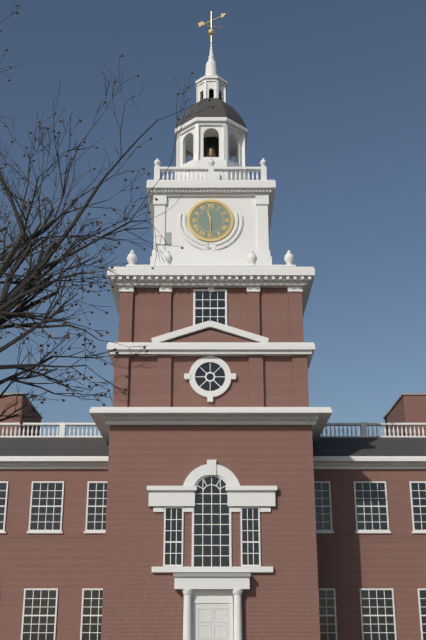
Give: 11:30
